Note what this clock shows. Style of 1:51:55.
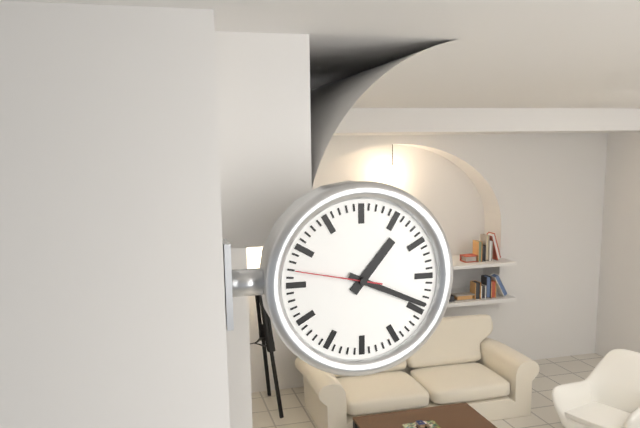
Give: 1:19:47
